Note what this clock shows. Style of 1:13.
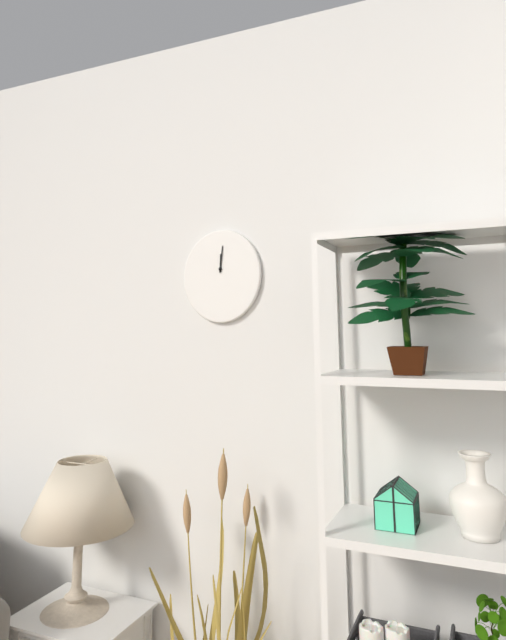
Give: 12:01
